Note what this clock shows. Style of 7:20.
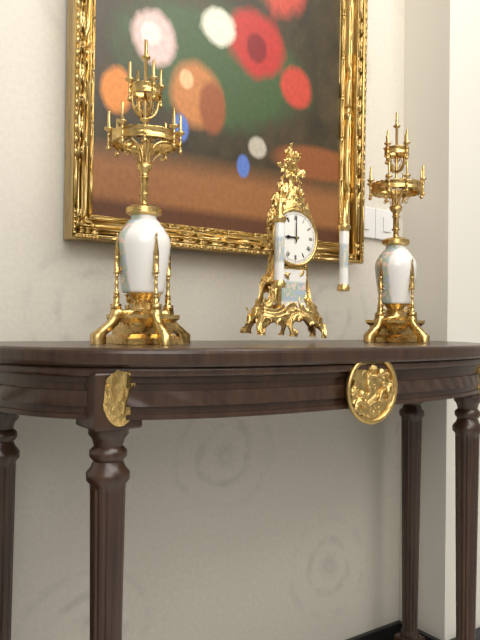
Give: 9:00
